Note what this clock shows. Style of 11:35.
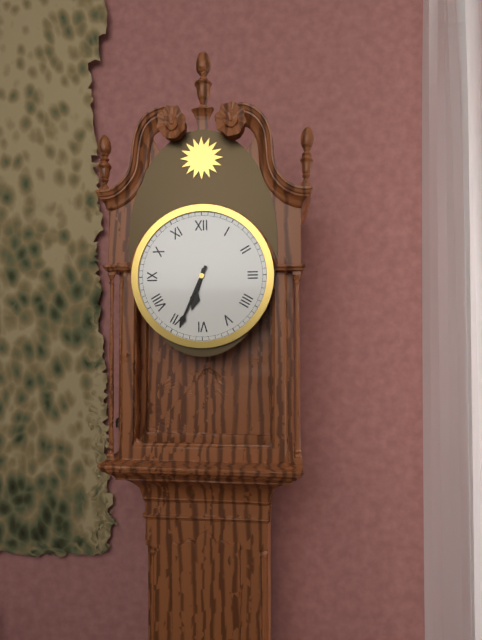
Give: 6:34
